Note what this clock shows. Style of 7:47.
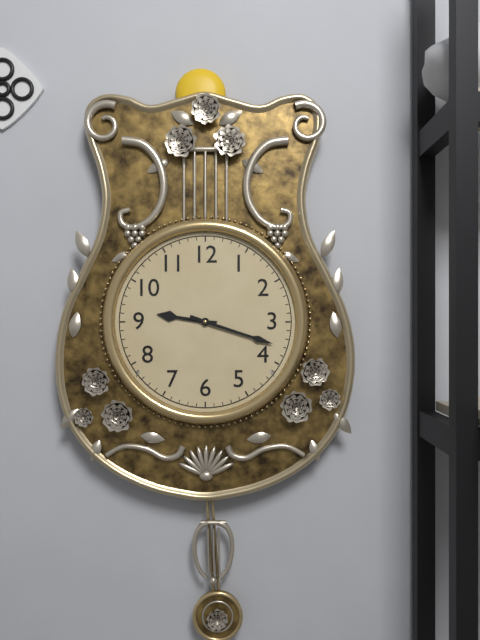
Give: 9:18
